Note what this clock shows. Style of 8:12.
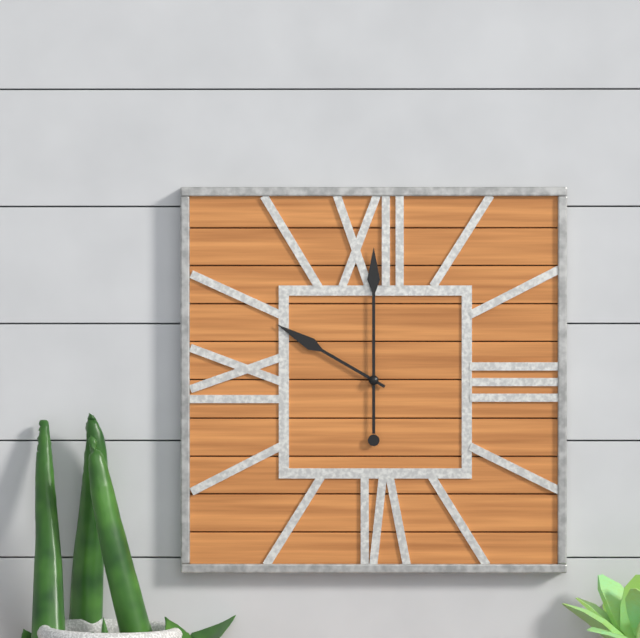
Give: 10:00
